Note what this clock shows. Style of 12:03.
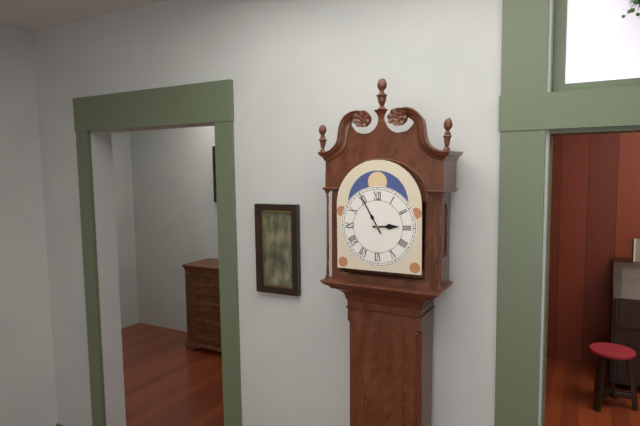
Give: 2:55
